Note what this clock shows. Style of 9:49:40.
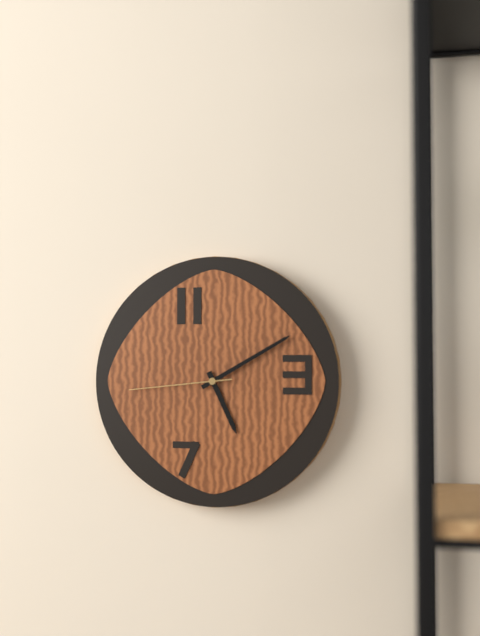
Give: 5:10:44
